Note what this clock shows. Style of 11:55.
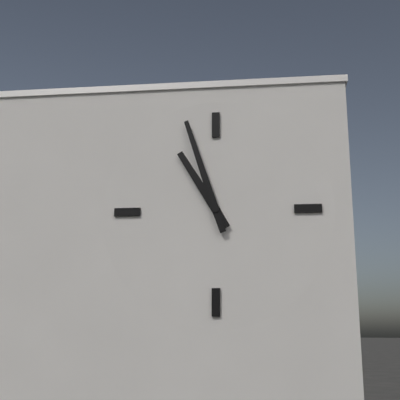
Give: 10:57
